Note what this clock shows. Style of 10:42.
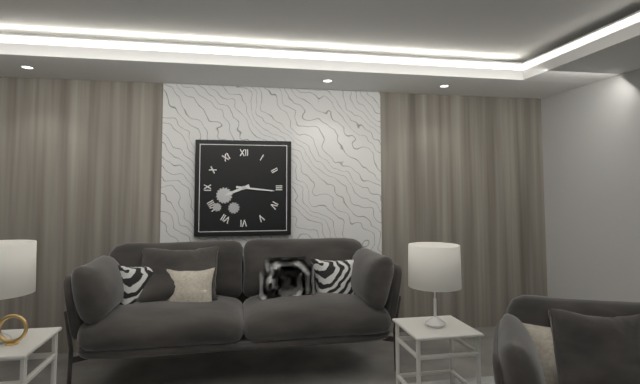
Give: 8:16
